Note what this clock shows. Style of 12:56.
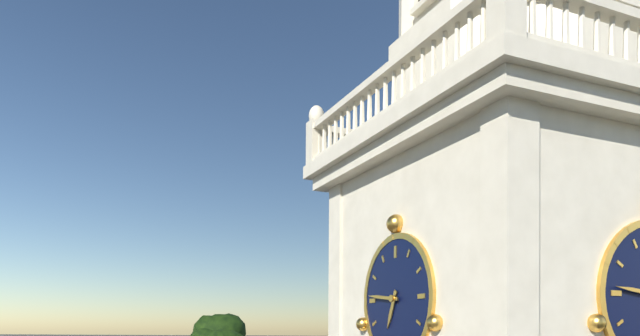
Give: 6:46
